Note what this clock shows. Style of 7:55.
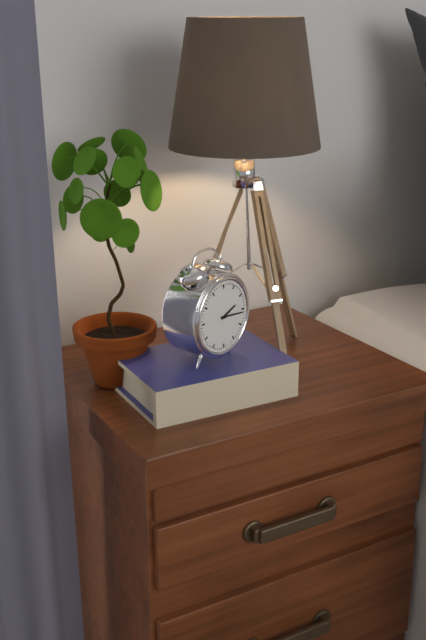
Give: 2:16
